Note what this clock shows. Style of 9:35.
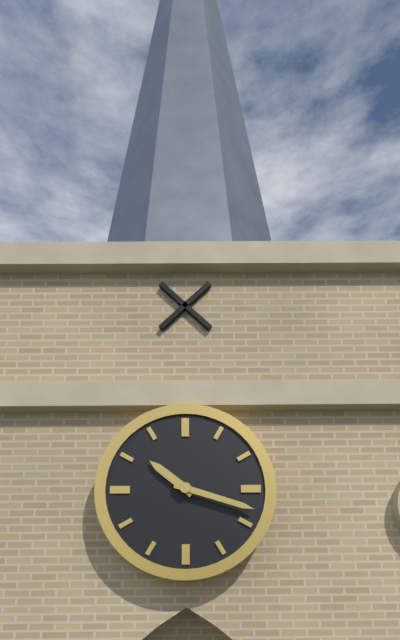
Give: 10:18
